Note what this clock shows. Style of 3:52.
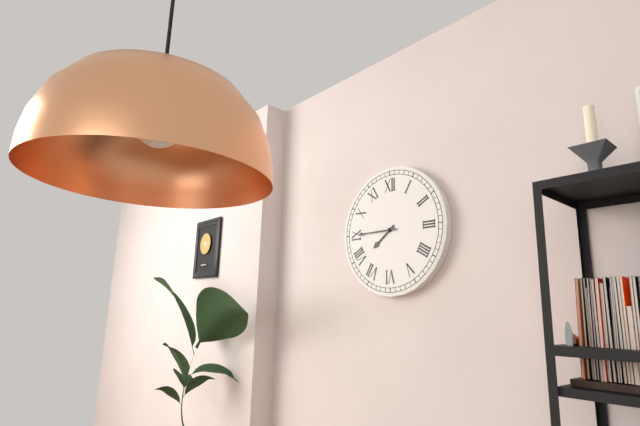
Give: 7:45
